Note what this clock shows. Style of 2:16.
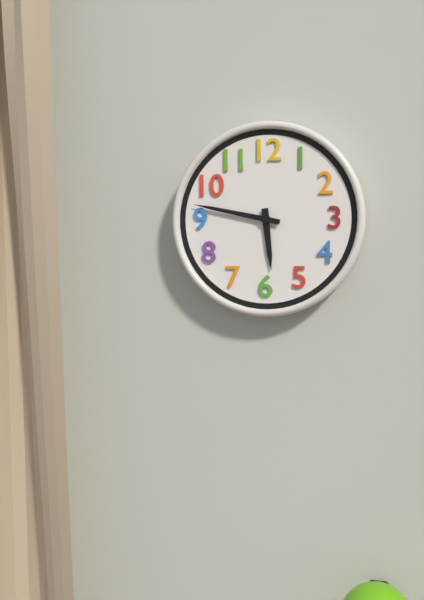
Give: 5:47
